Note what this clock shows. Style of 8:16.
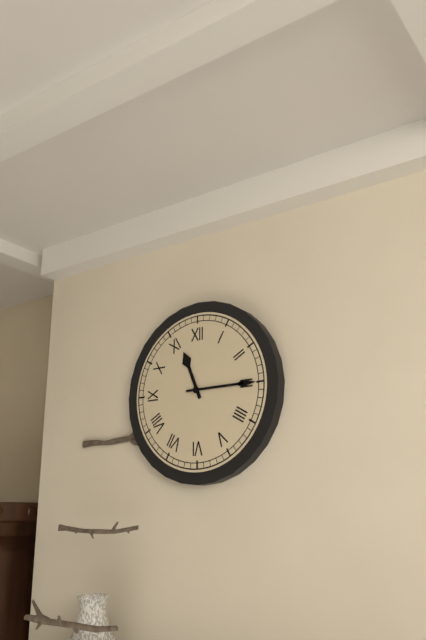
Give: 11:15
